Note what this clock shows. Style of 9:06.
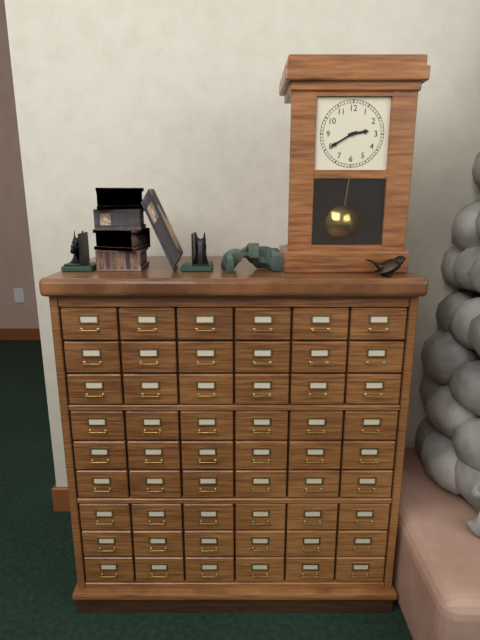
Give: 2:40
